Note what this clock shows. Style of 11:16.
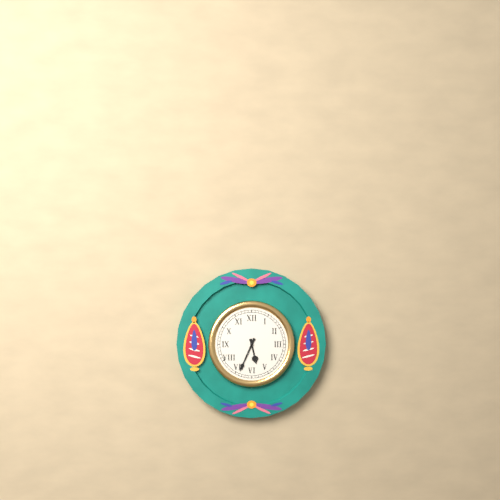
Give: 5:34
